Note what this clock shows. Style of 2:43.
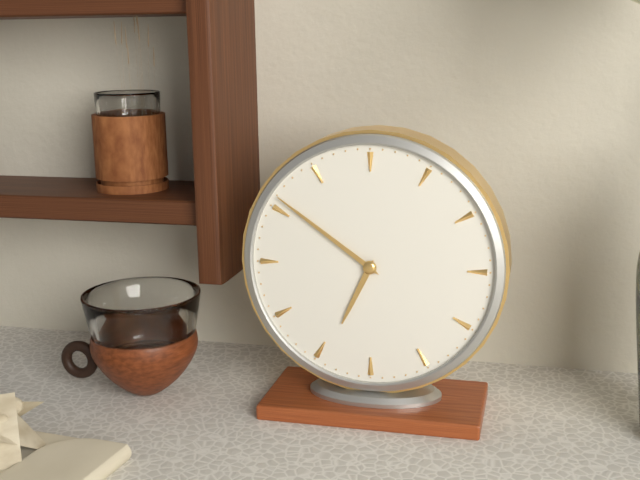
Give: 6:51
